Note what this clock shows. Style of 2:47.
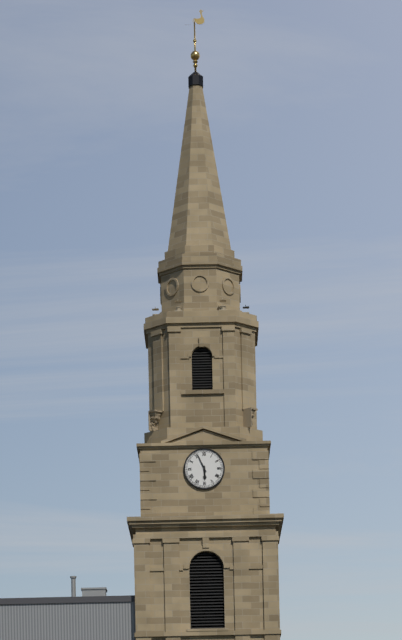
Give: 5:56
